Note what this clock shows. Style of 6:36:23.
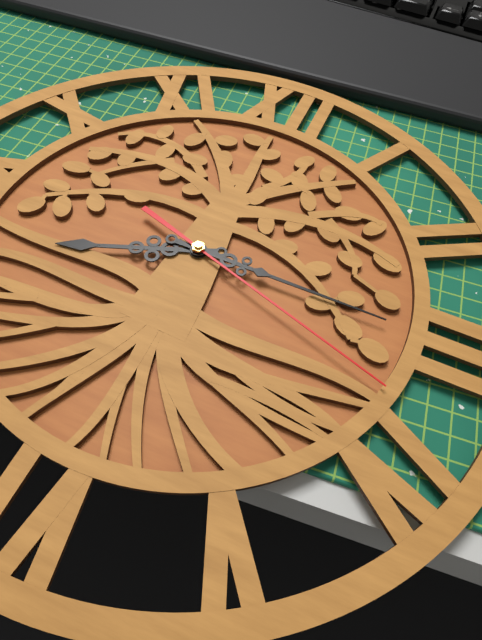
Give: 8:15:18
